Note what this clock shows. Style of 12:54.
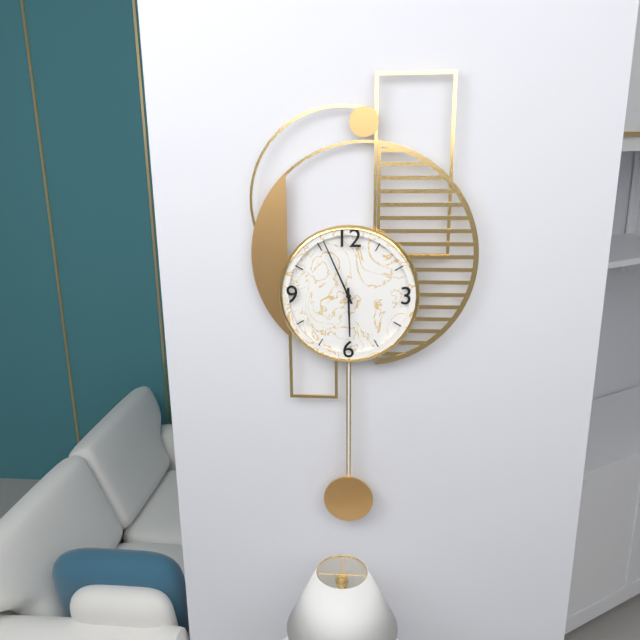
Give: 5:56
